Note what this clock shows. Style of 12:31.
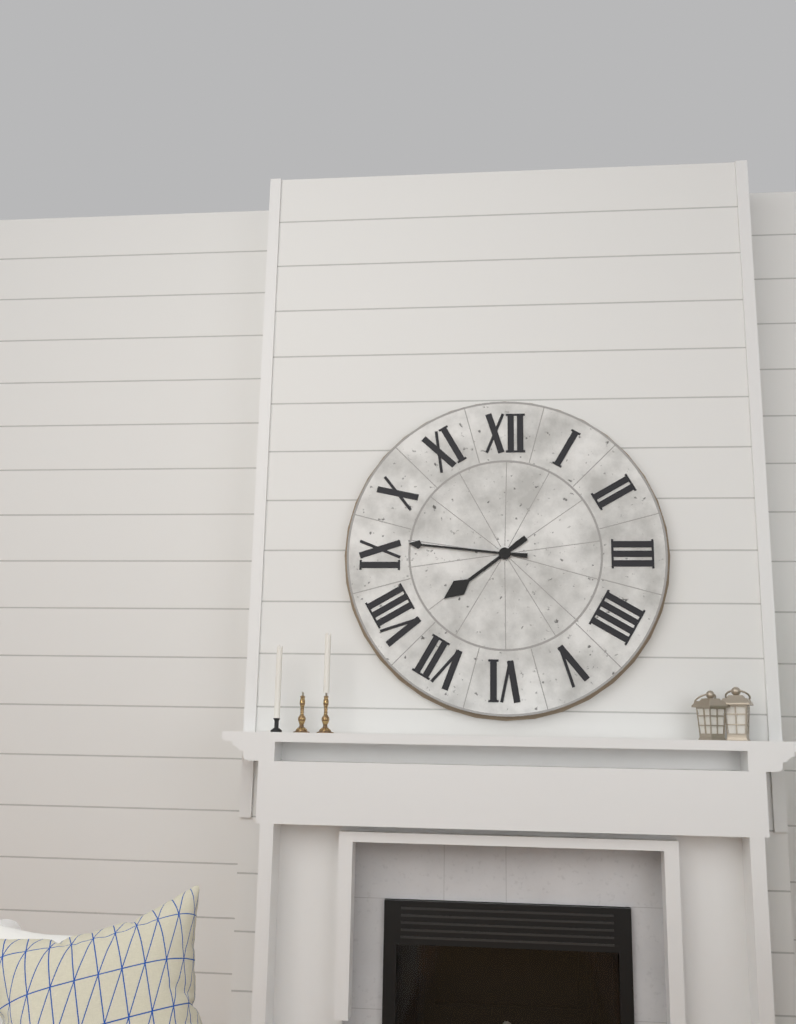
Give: 7:46
